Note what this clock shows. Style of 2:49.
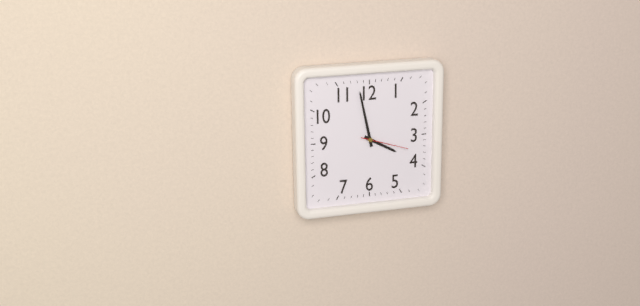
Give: 3:58
